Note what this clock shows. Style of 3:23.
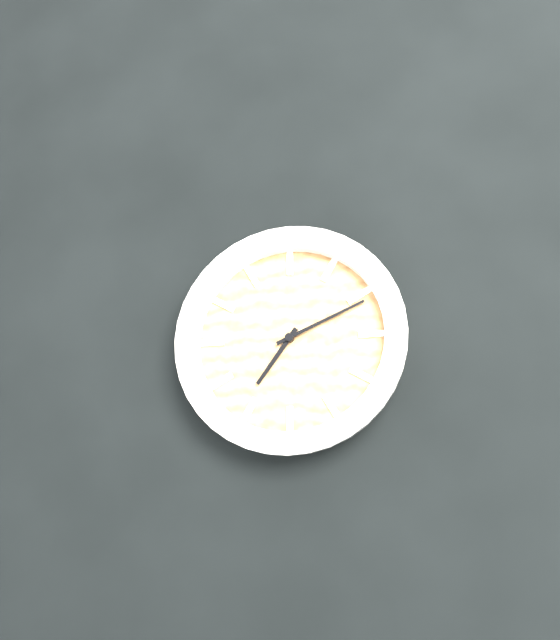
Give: 7:11
